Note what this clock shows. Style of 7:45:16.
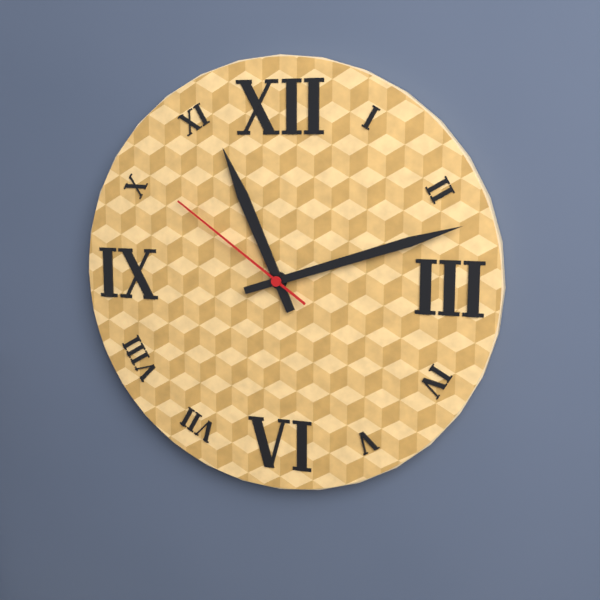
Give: 11:12:51
